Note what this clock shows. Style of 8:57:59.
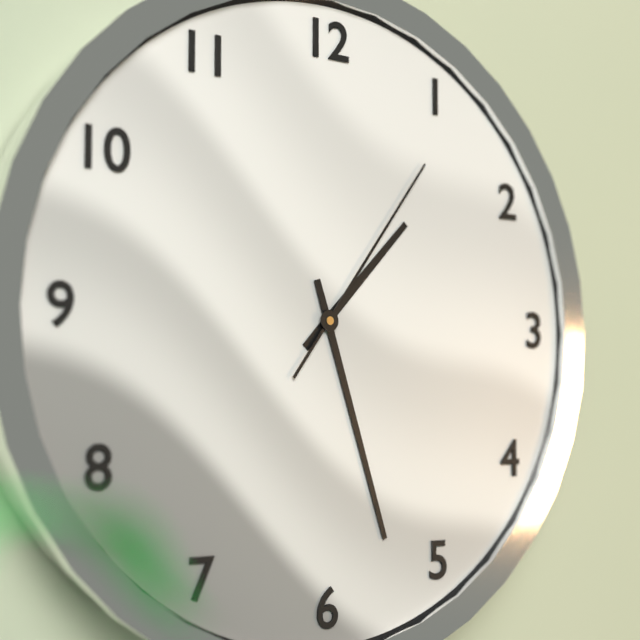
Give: 1:27:06
